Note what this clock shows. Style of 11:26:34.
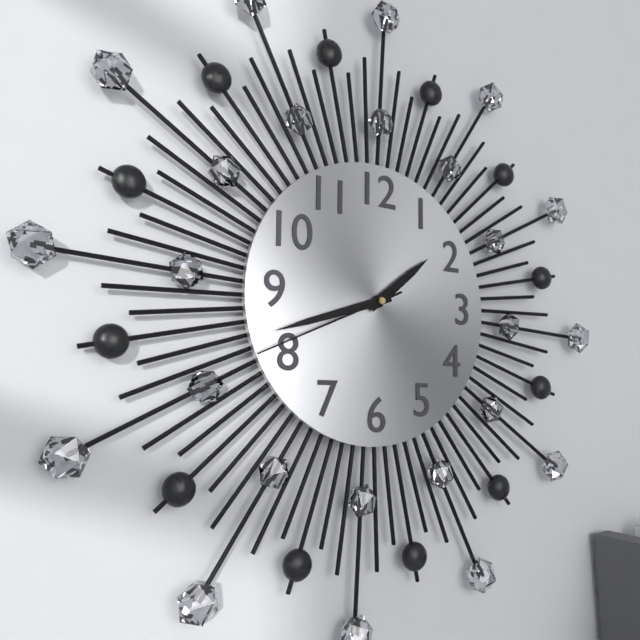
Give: 1:42:41
